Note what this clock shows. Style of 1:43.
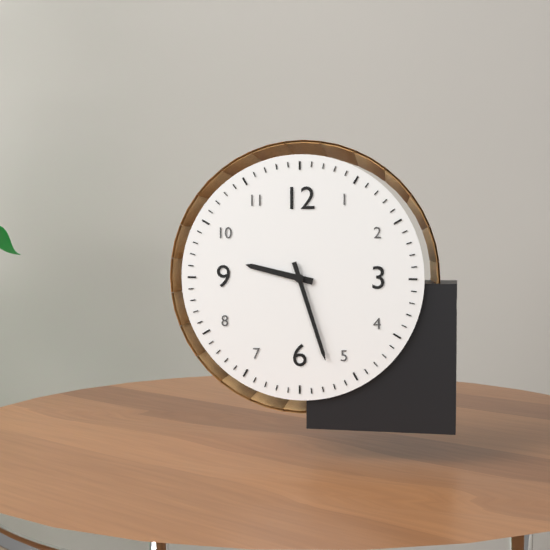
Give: 9:27
